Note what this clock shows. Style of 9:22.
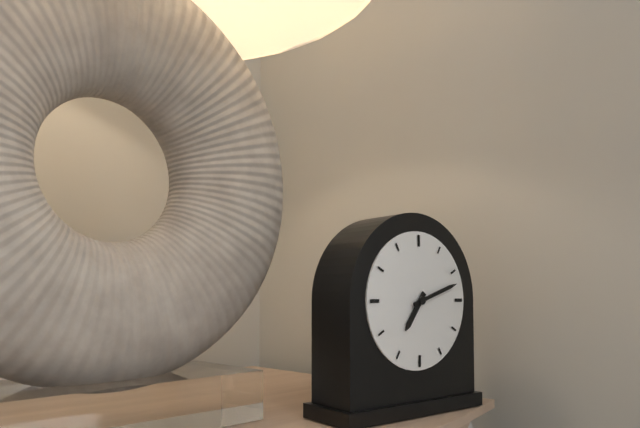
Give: 7:12
